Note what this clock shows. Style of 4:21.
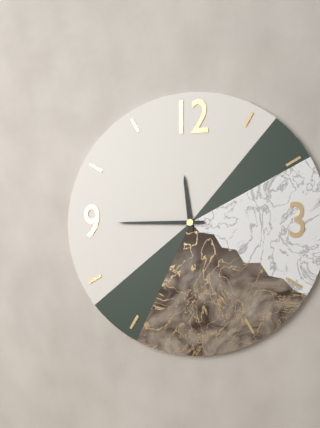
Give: 11:45
